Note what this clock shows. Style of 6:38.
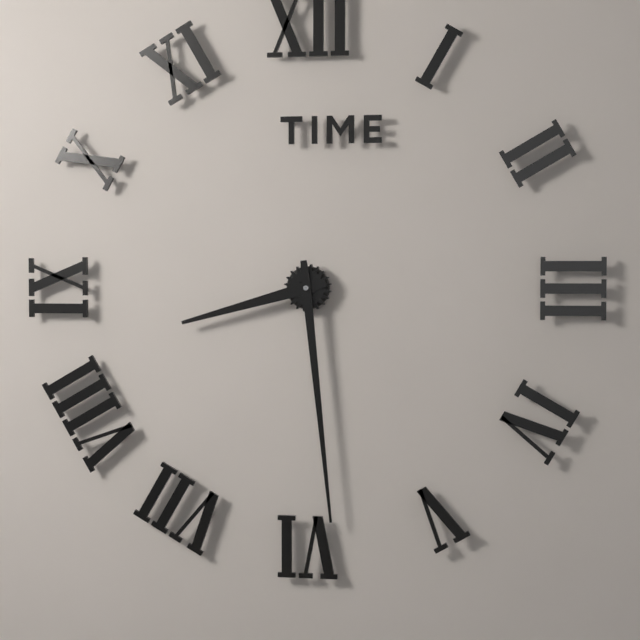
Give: 8:29
